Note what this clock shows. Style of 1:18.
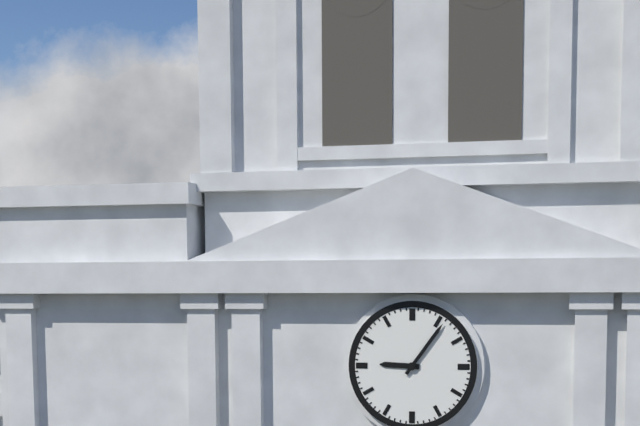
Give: 9:06
